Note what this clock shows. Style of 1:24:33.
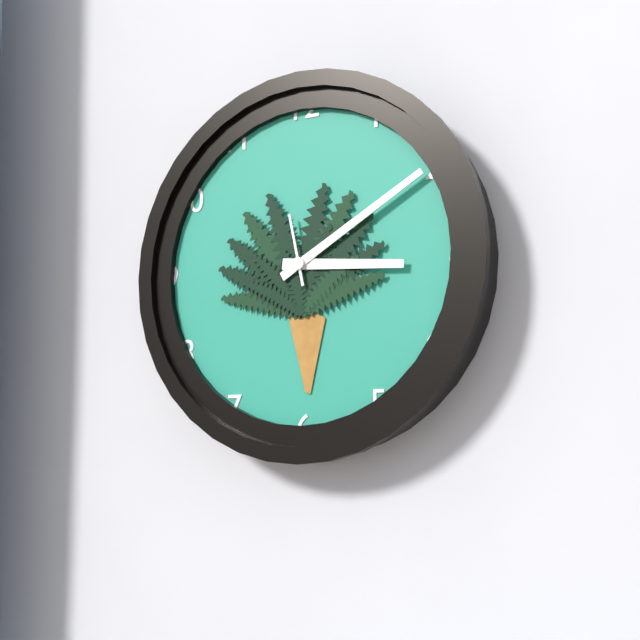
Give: 3:10:58
